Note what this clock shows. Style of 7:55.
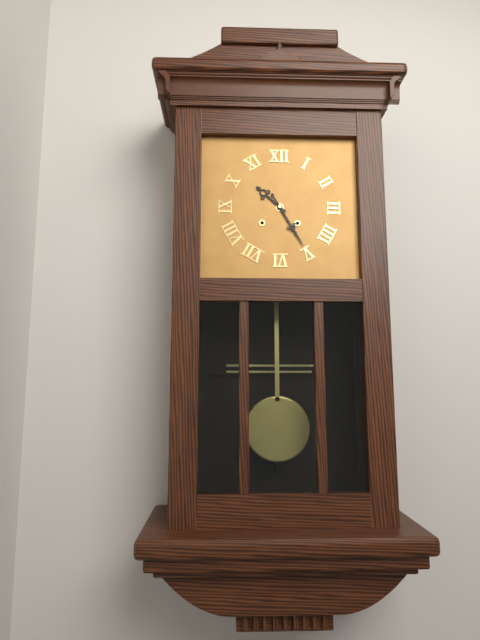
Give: 10:25
